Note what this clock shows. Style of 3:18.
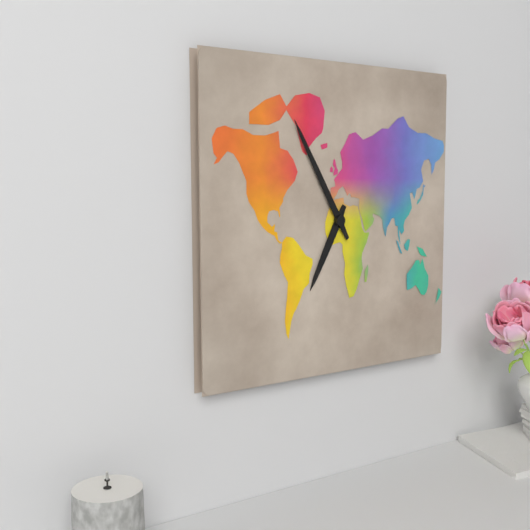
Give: 6:55
